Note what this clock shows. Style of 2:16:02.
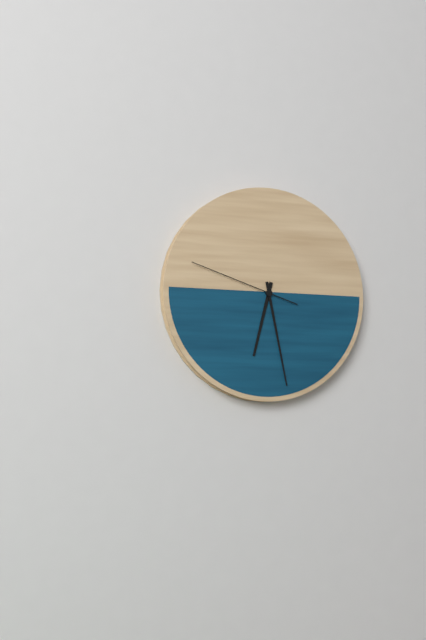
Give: 6:28:48
